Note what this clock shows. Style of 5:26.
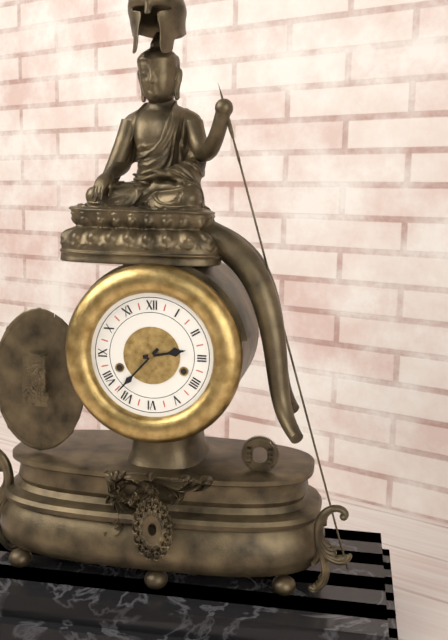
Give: 2:37
